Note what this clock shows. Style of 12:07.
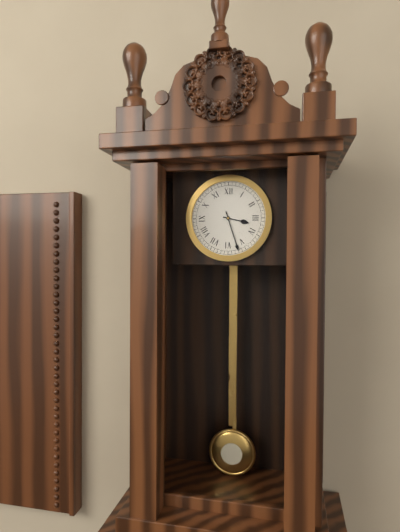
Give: 3:27
